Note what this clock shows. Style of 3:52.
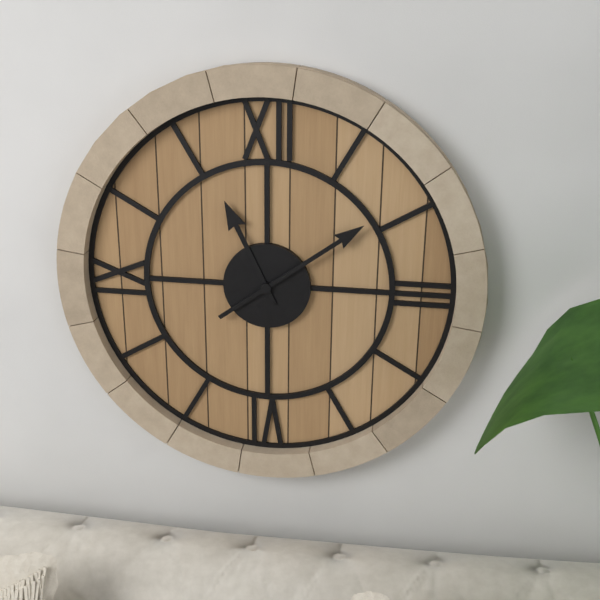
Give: 11:09
